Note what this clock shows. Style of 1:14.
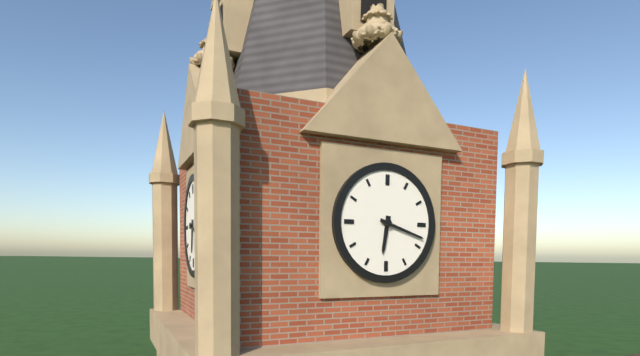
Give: 6:18
